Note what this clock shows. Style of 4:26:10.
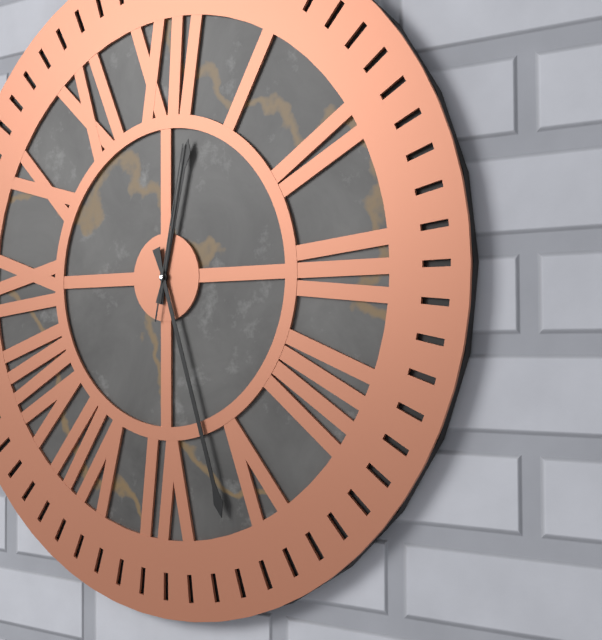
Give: 12:27:02
